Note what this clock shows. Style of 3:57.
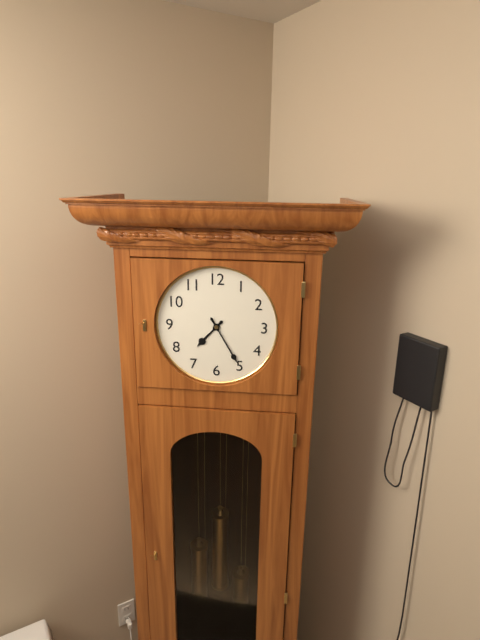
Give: 7:25
